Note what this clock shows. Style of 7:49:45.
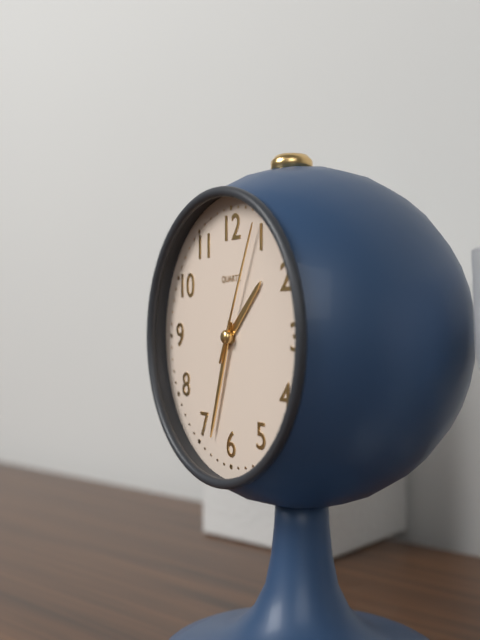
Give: 1:33:04
